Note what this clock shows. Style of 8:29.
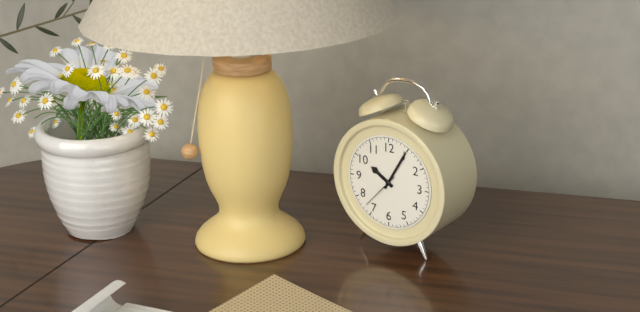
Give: 10:05
